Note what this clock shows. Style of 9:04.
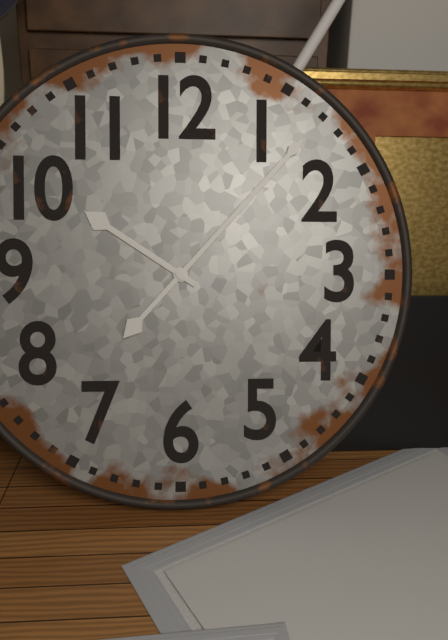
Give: 10:07
